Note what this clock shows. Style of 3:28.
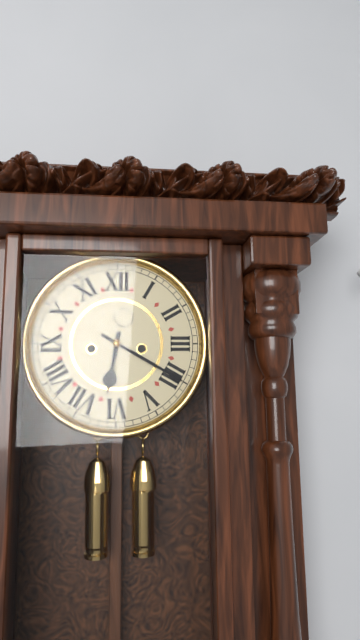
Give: 6:20
